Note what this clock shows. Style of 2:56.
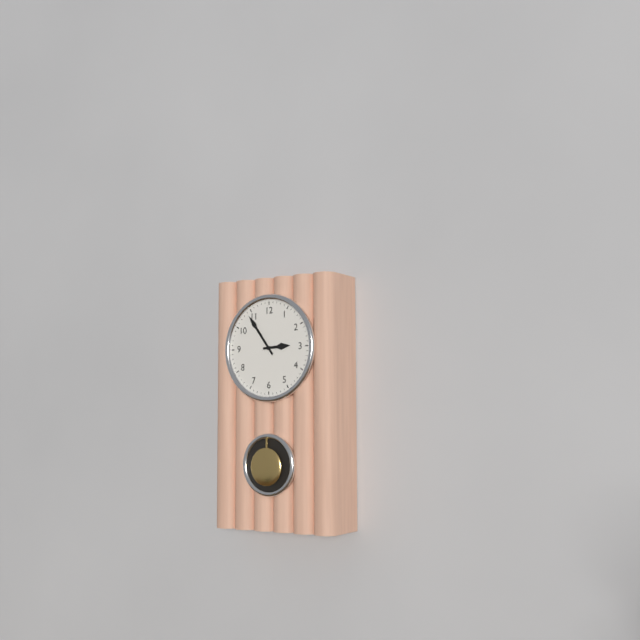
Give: 2:54
